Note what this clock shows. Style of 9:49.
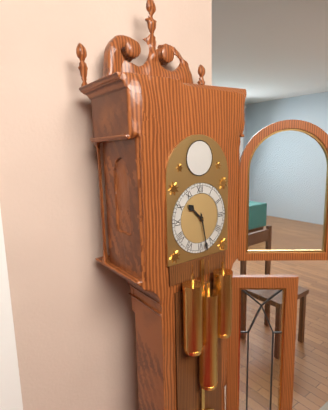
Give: 10:28
